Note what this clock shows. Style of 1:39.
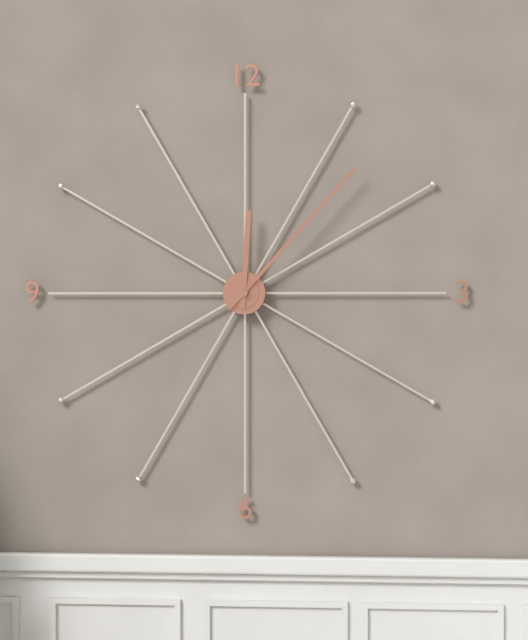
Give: 12:07
